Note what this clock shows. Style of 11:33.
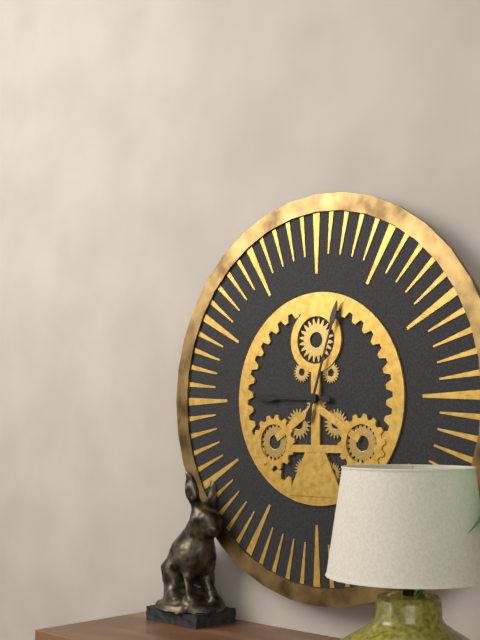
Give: 9:03
